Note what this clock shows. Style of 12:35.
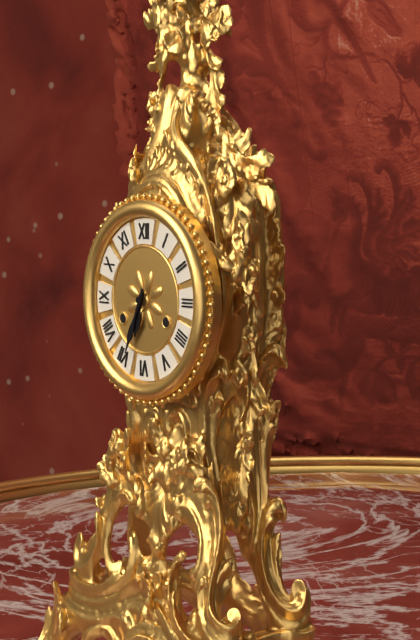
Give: 6:34
